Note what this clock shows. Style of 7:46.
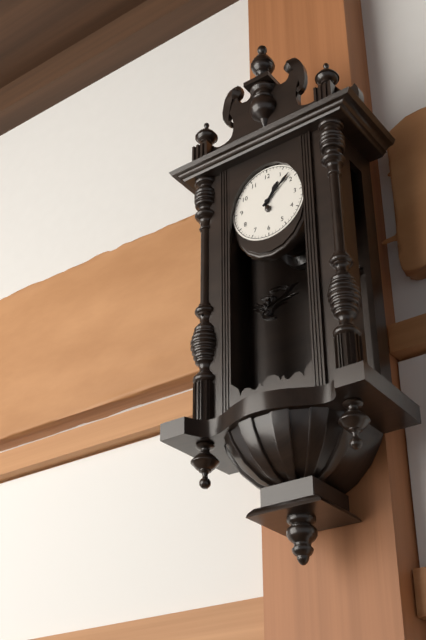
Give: 1:08
